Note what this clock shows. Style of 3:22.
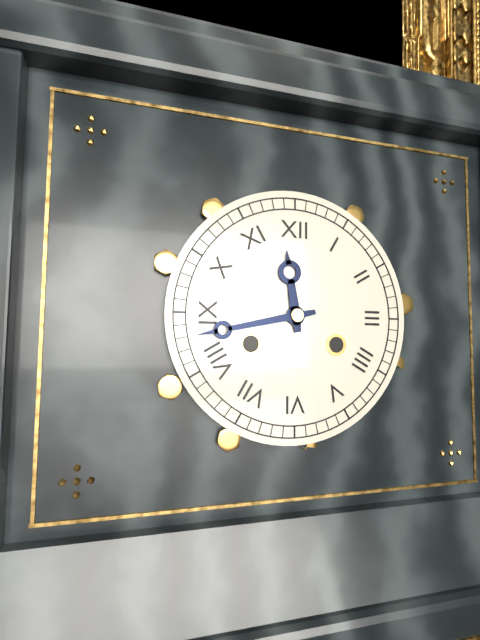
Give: 11:43
